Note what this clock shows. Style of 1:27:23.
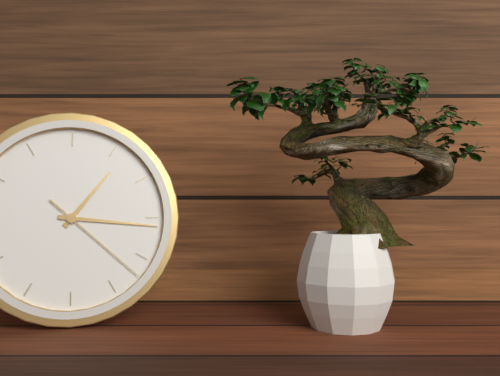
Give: 1:16:22
